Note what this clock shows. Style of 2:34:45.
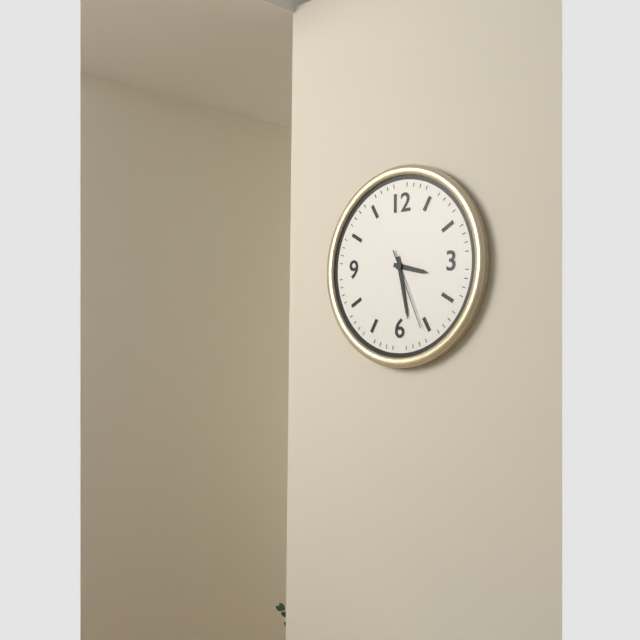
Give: 3:28:26
